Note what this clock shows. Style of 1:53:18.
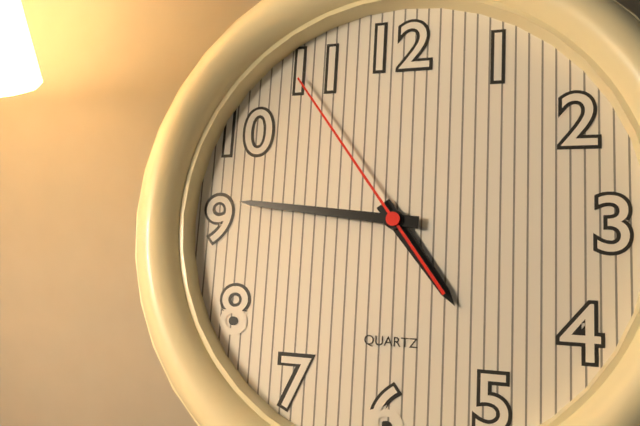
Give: 4:46:54
